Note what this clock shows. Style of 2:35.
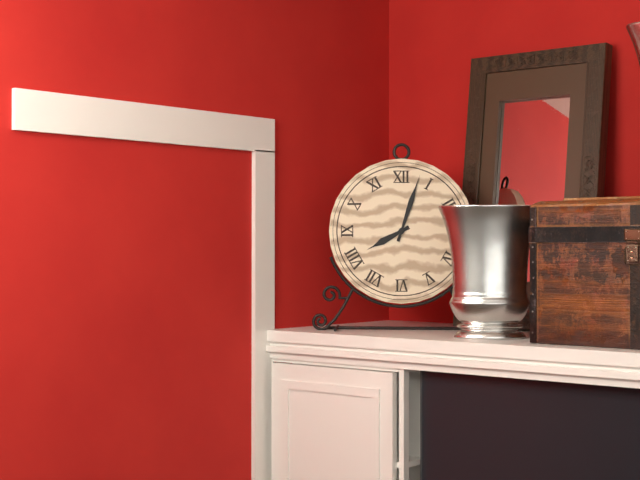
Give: 8:03
